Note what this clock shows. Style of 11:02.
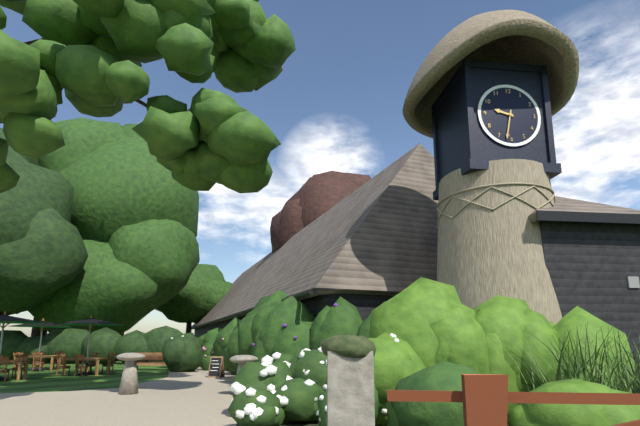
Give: 9:32
